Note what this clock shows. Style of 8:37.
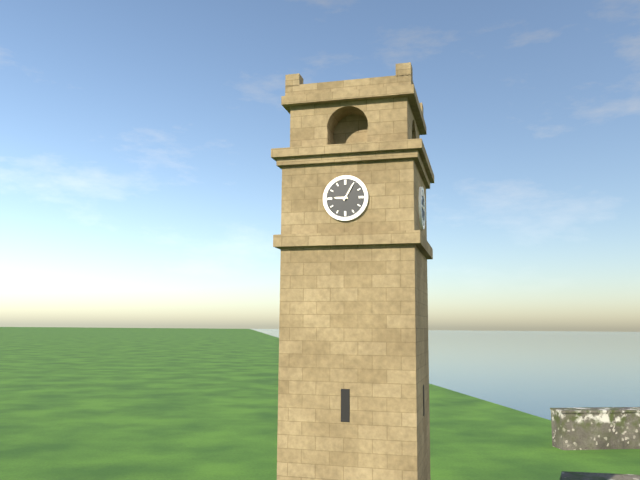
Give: 9:05
